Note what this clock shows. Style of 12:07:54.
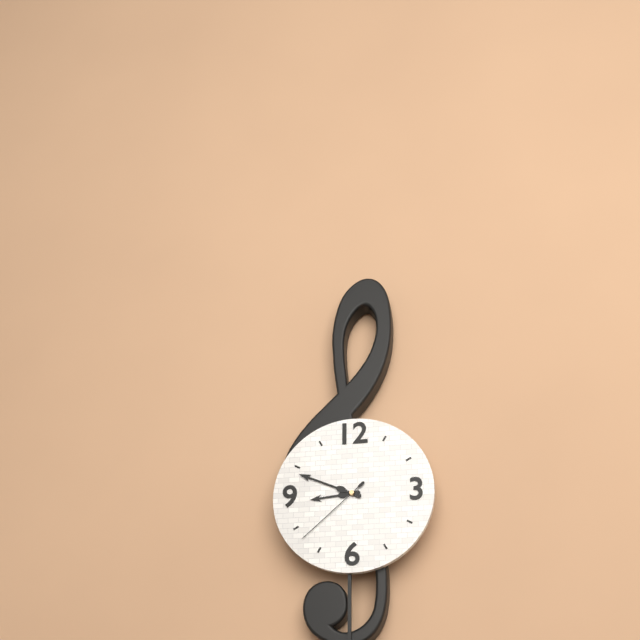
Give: 8:49:38
